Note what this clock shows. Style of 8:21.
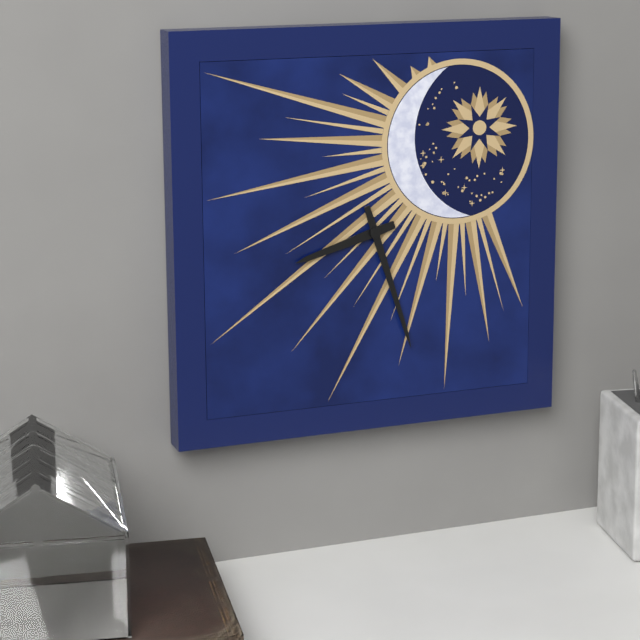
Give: 8:27
